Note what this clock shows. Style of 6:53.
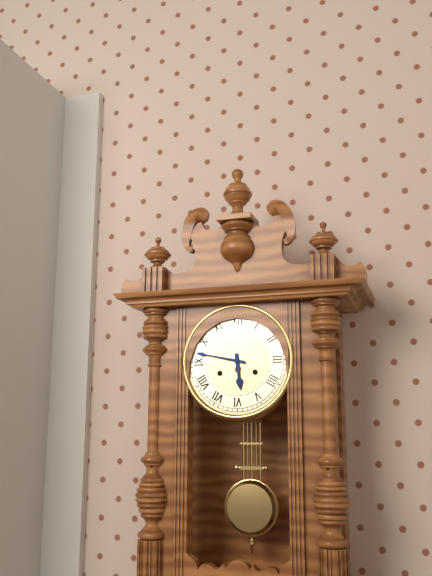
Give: 5:47
